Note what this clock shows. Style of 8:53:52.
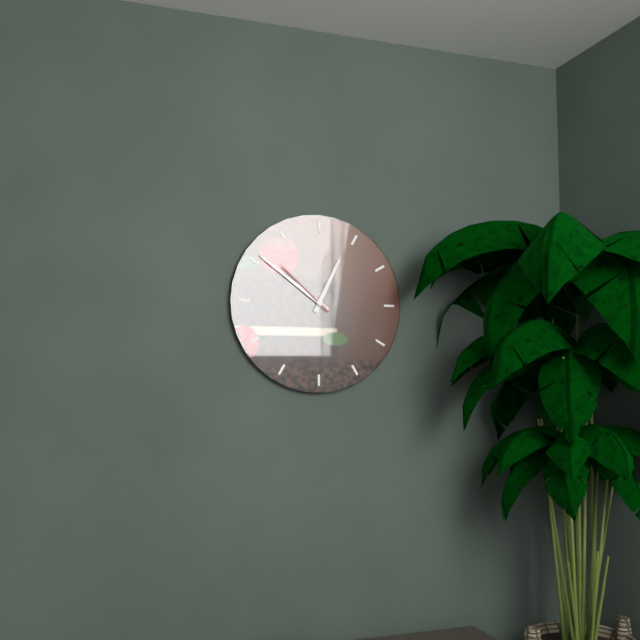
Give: 12:51:52
